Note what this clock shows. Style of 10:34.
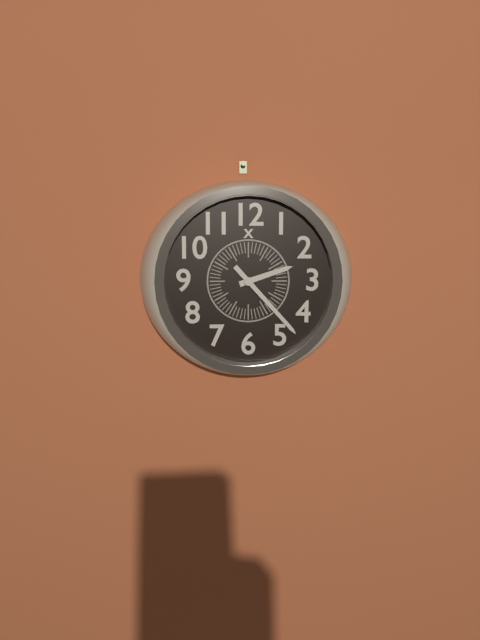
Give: 2:23
